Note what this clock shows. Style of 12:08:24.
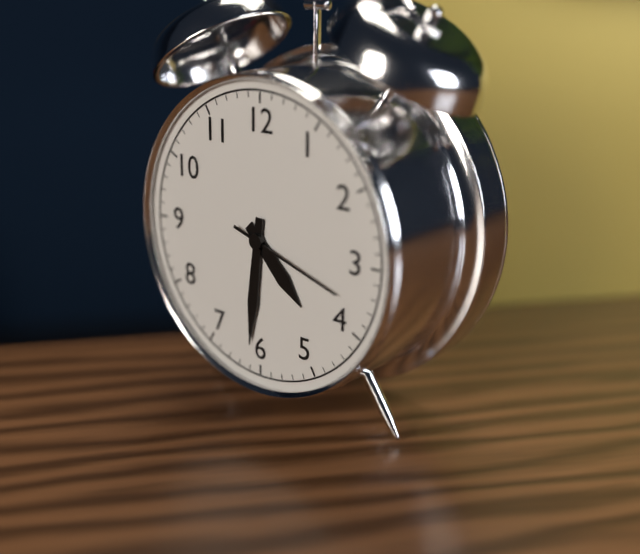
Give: 4:31:18
